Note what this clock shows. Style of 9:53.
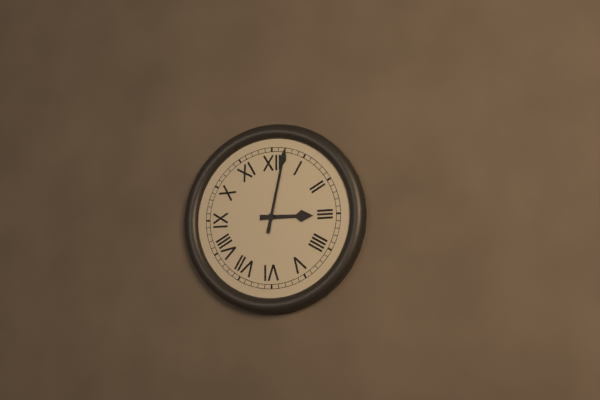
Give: 3:02
